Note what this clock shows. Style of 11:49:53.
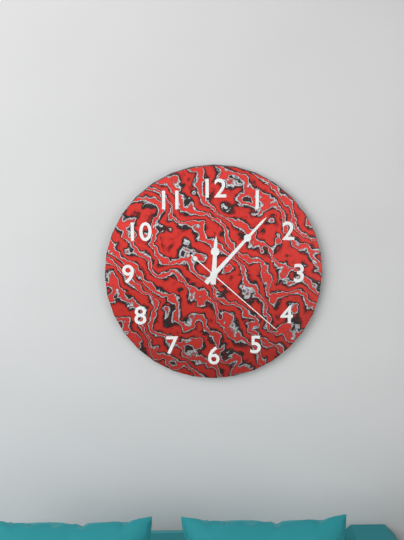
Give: 12:07:22
